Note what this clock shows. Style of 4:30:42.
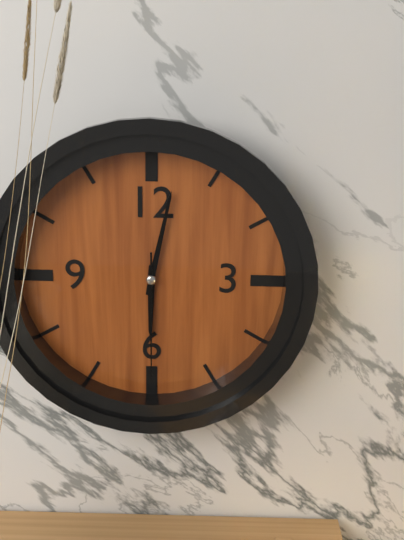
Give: 6:02:30
